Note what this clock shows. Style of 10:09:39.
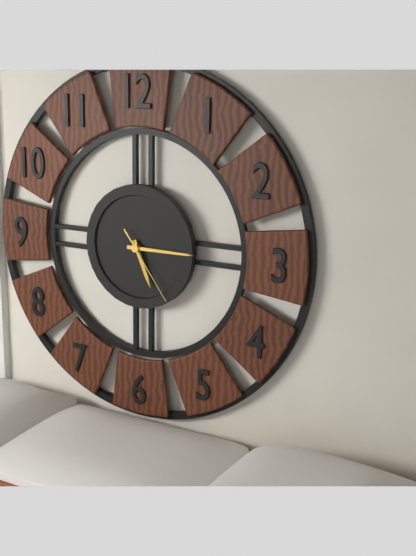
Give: 5:15:24
